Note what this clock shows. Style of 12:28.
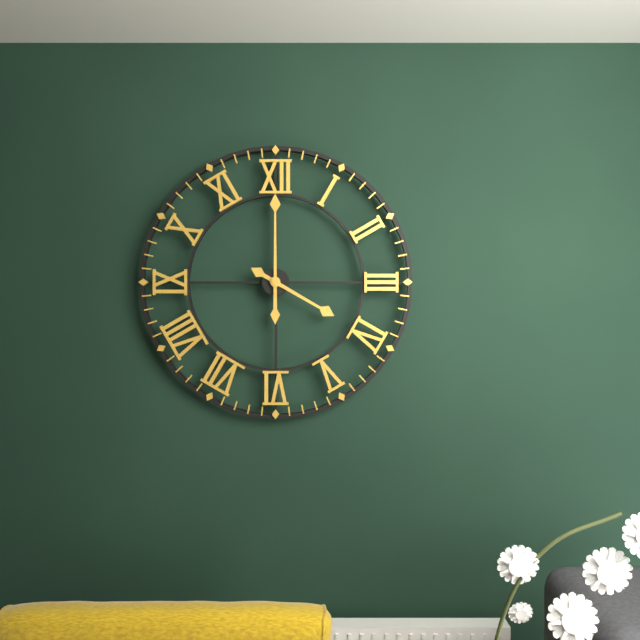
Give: 4:00
